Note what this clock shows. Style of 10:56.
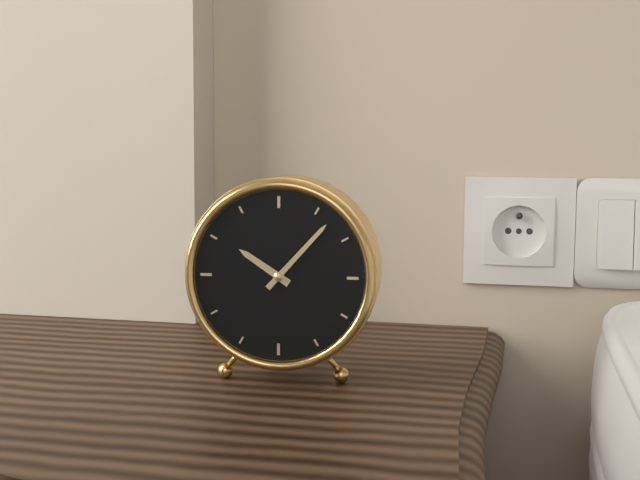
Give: 10:07
